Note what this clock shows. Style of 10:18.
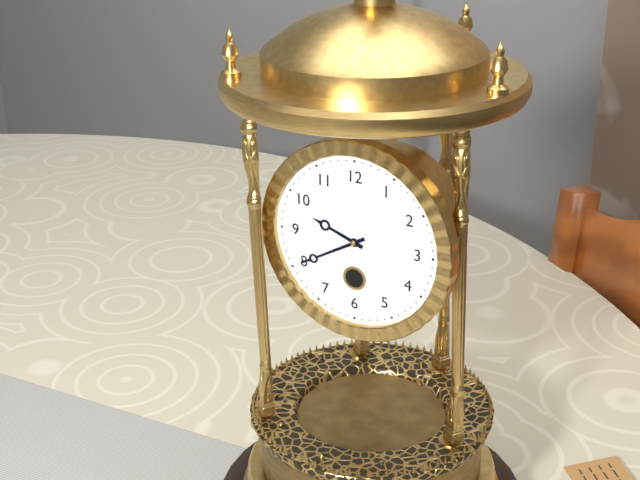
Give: 9:40
